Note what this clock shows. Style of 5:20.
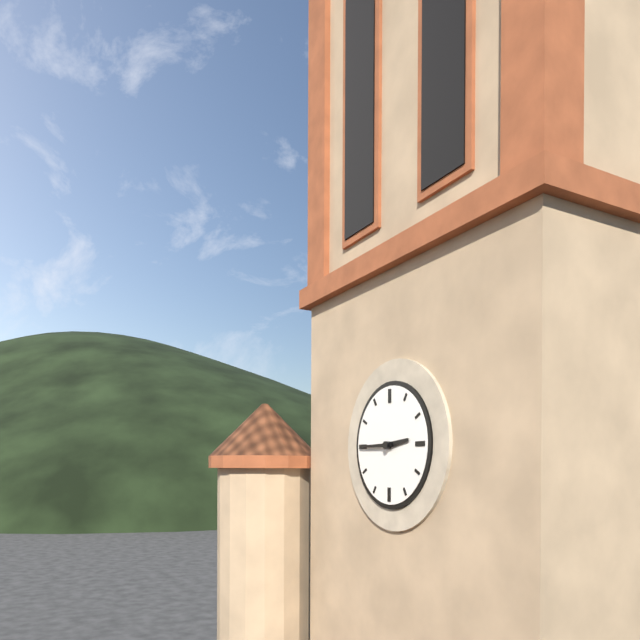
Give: 2:45
